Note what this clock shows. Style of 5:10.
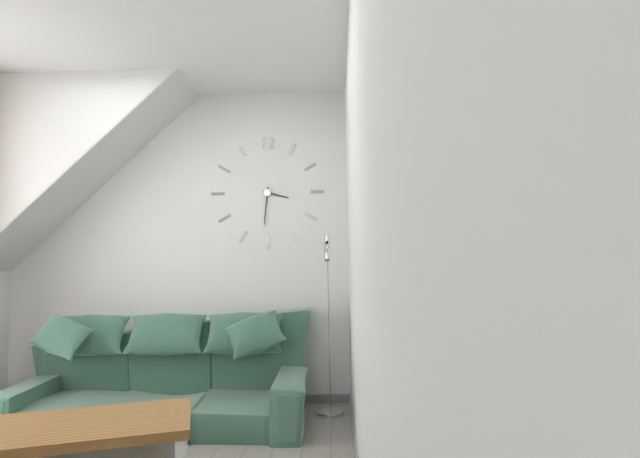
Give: 3:31
